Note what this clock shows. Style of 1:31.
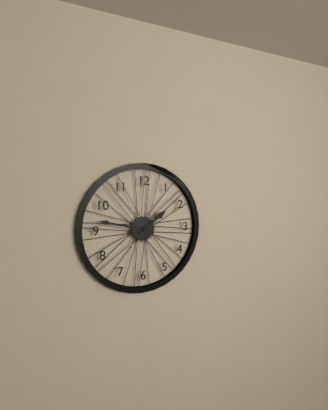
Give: 1:47
